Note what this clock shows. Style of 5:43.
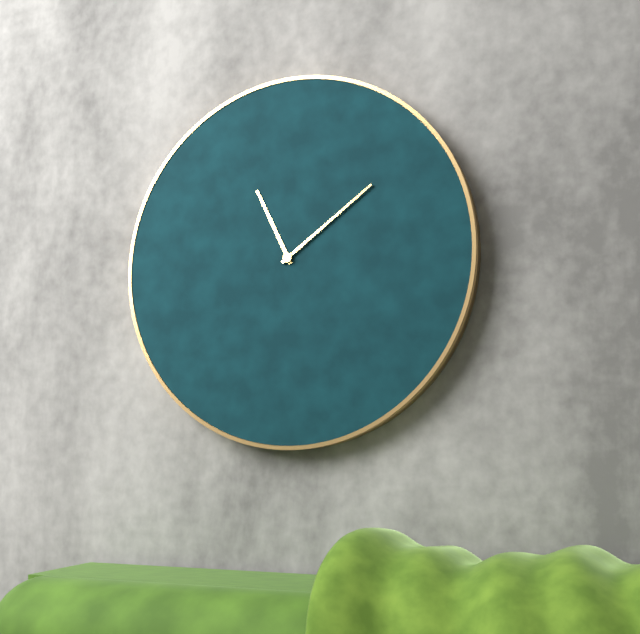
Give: 11:09
